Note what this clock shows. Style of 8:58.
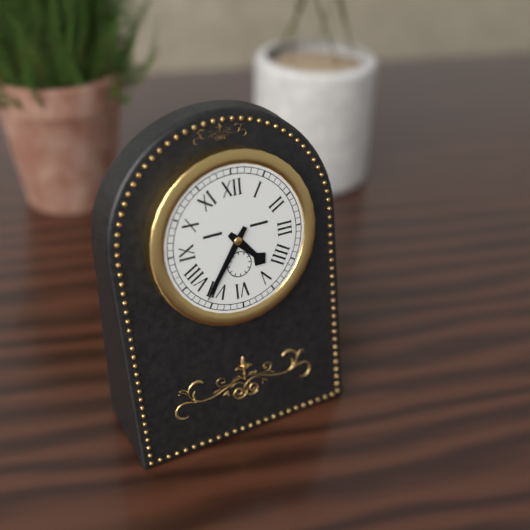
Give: 4:36
